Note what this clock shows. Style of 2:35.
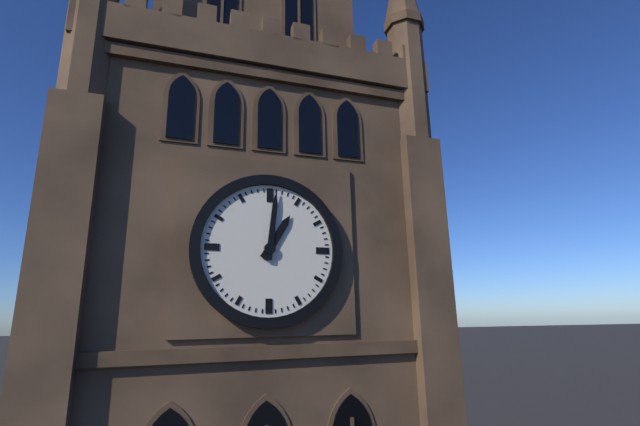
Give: 1:01
